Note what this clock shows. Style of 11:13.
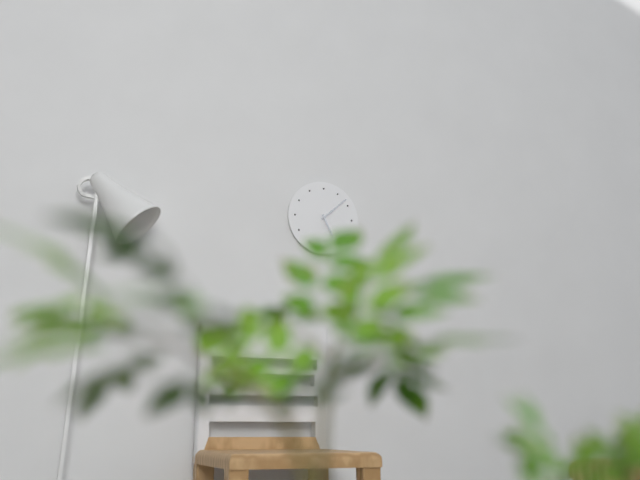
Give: 5:08
